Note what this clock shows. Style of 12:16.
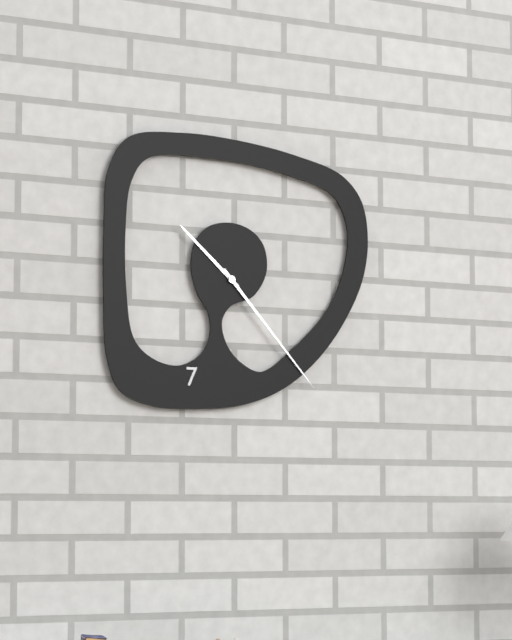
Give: 10:23
